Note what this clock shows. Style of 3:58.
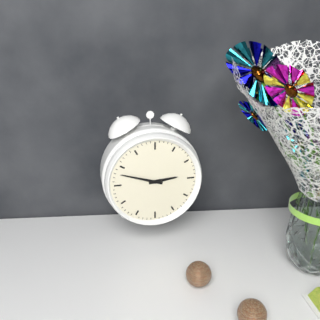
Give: 2:48
